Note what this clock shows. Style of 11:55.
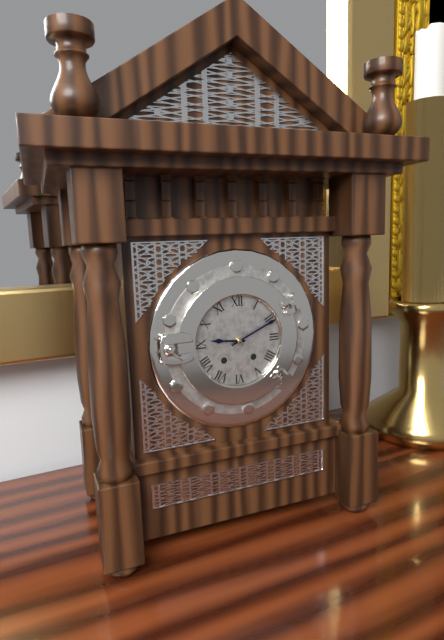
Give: 9:11
